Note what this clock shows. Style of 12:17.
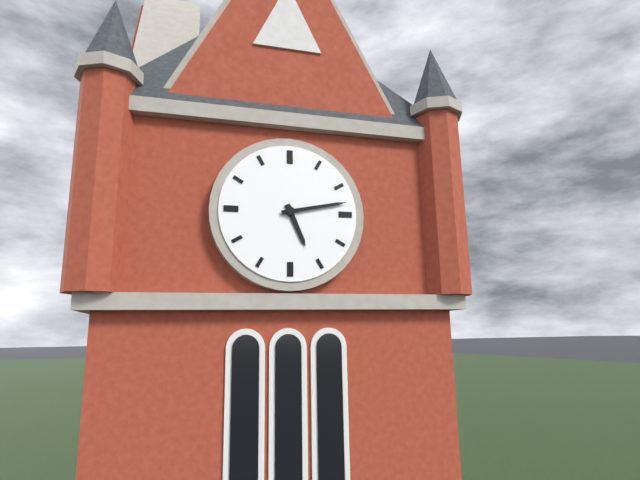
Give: 5:13
